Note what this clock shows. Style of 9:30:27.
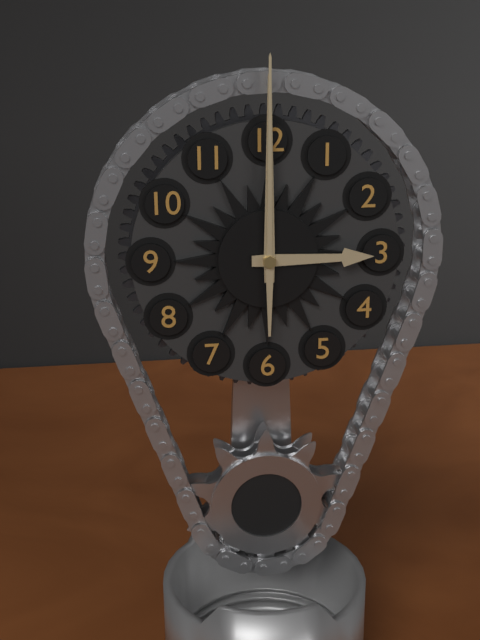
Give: 3:00:00
